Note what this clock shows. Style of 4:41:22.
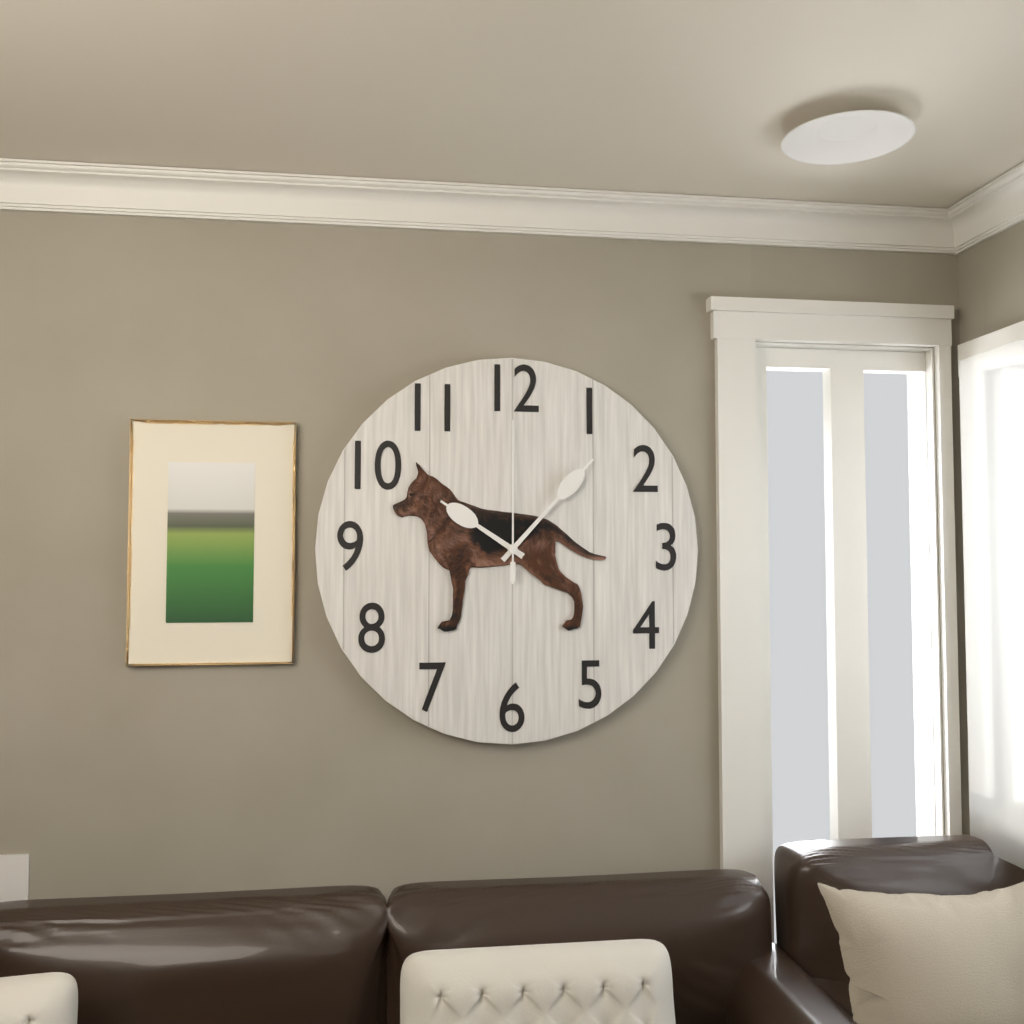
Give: 10:07:00
